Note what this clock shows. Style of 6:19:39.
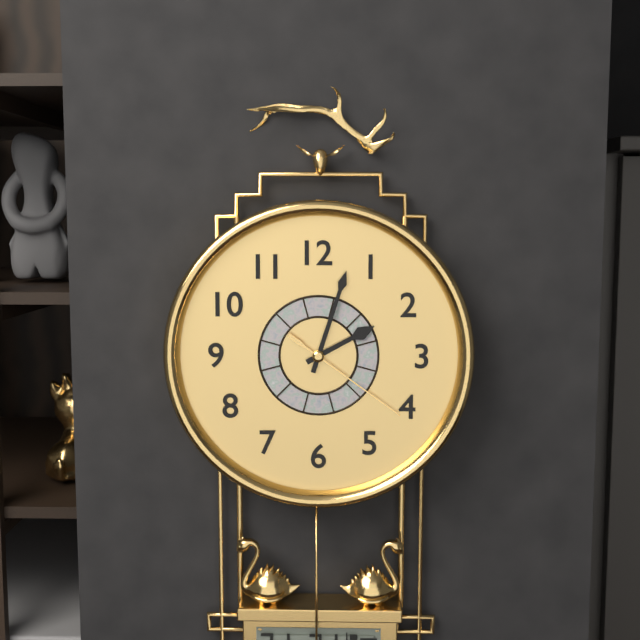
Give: 2:03:21
